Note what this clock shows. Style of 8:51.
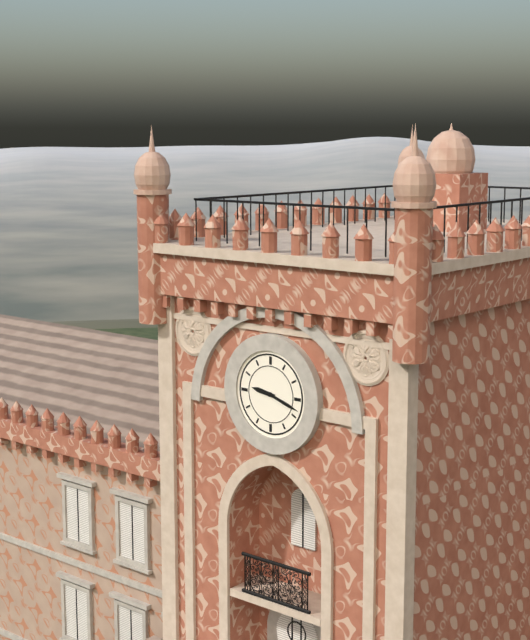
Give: 9:18
